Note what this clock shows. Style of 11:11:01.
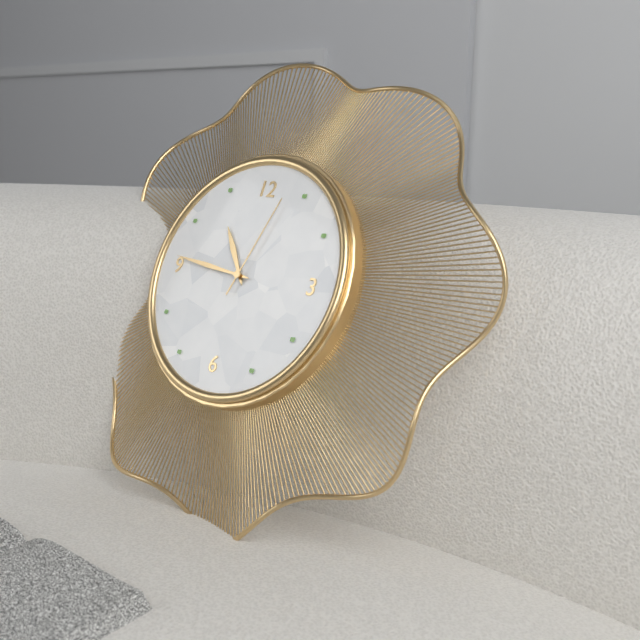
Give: 10:46:03
